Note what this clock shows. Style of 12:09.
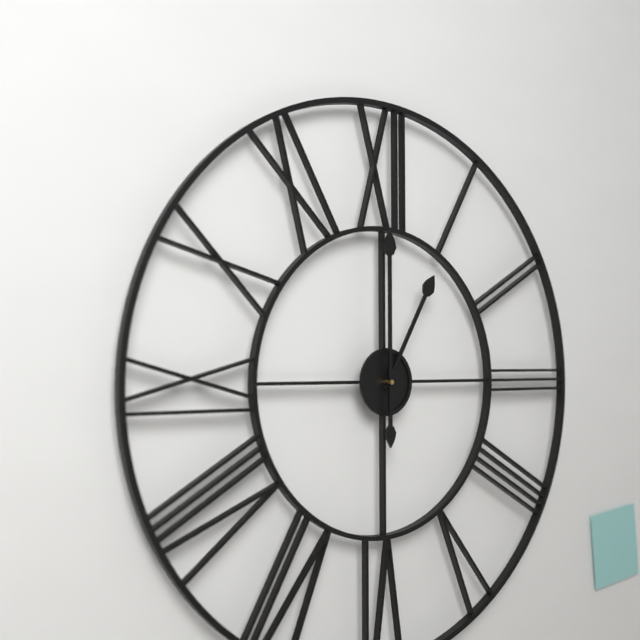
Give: 1:00
